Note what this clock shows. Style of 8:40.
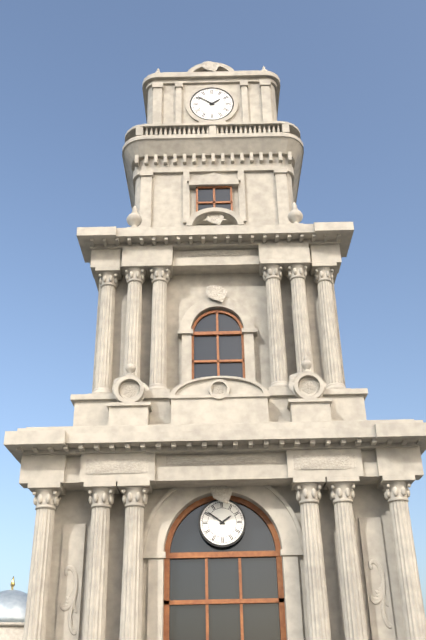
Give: 1:51
